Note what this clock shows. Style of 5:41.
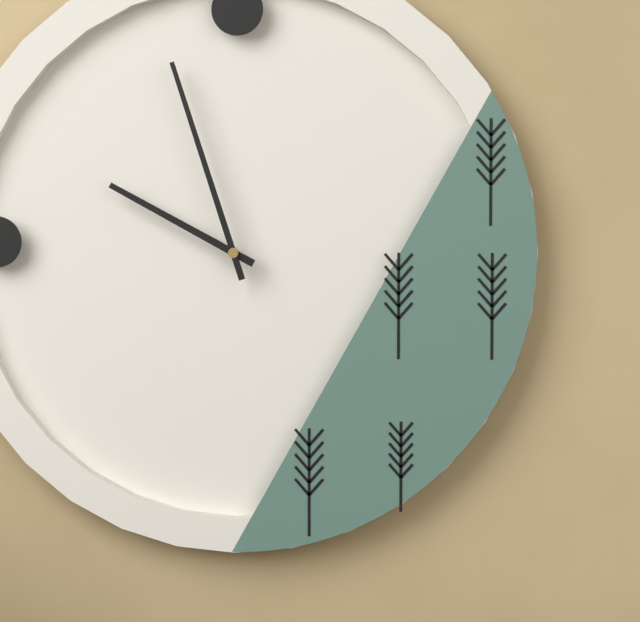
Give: 9:57
